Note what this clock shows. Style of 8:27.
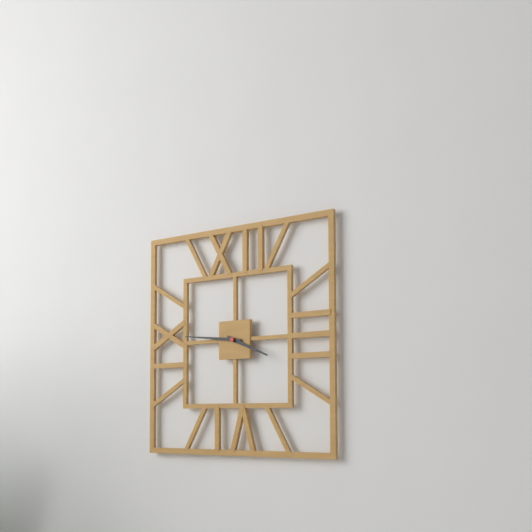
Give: 3:46
